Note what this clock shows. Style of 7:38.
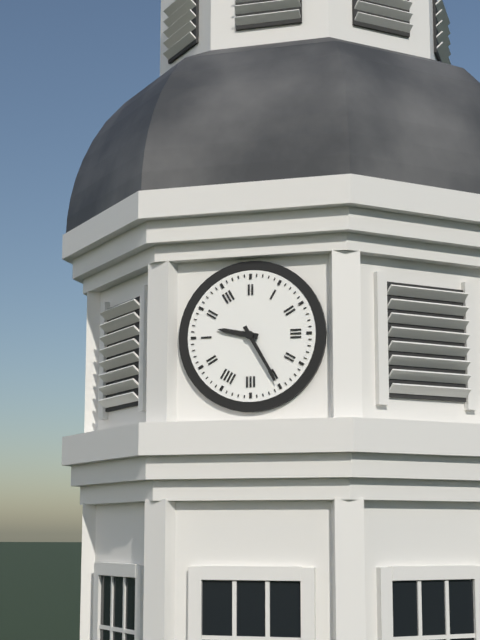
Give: 9:25
